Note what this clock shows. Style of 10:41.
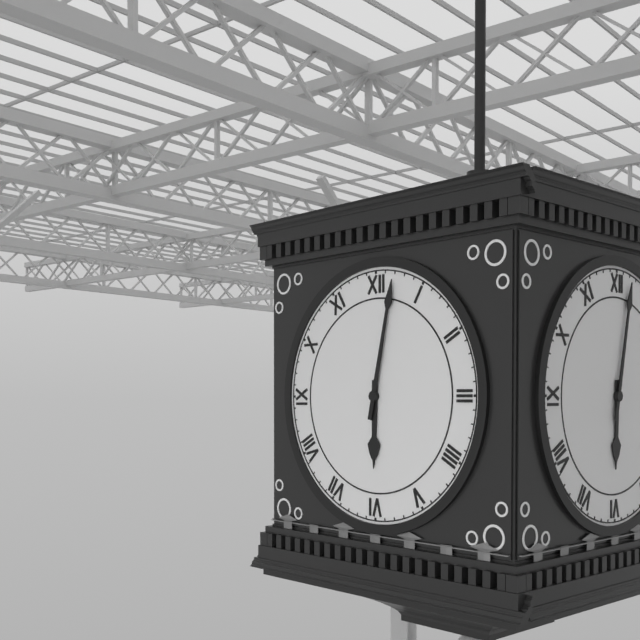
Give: 6:02
